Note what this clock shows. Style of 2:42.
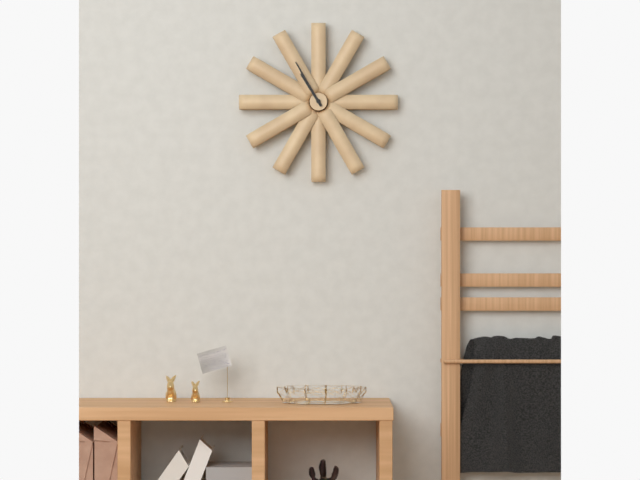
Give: 10:55
